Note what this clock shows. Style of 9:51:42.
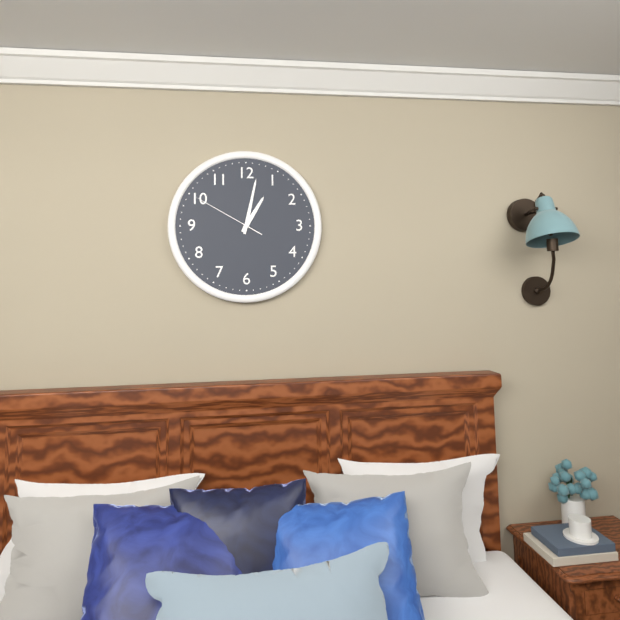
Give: 1:02:50
